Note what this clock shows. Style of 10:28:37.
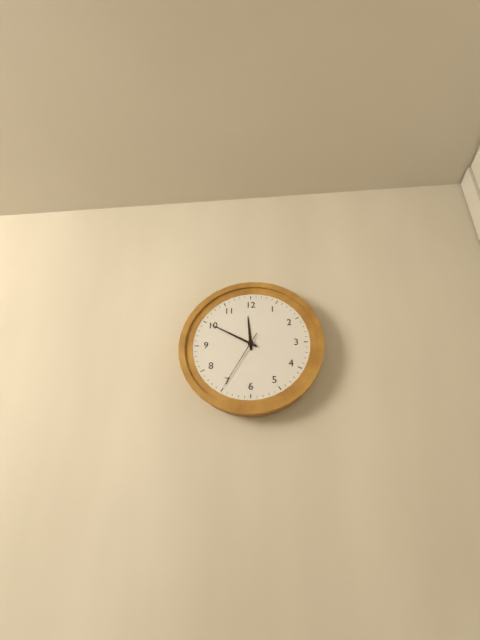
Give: 11:50:35
